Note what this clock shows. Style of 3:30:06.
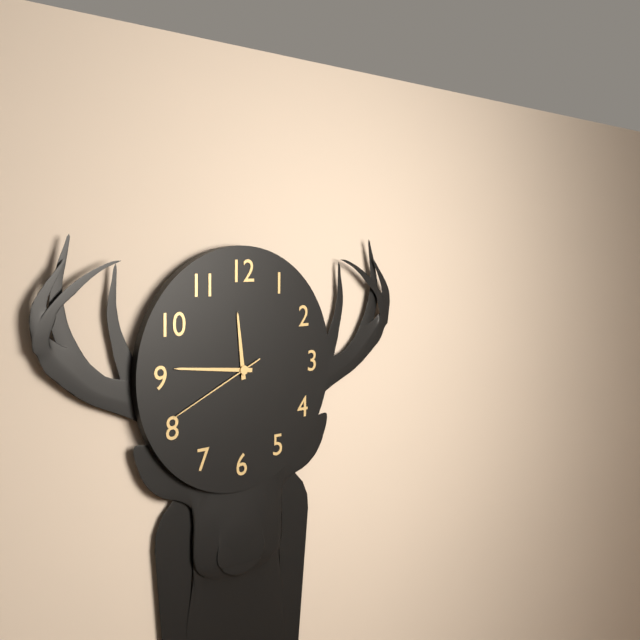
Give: 11:46:41
